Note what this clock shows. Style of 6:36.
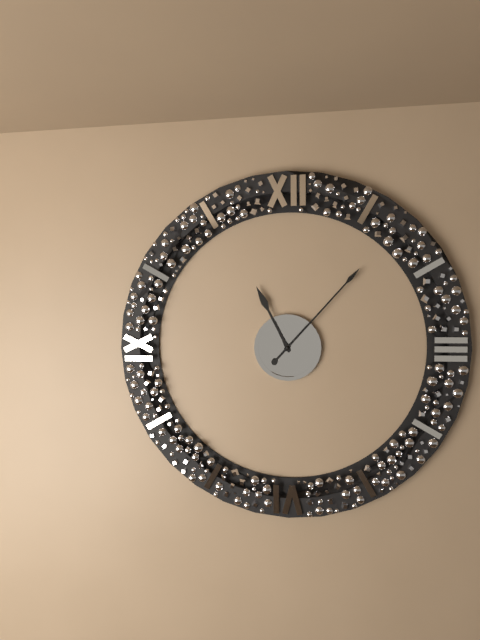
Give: 11:07
